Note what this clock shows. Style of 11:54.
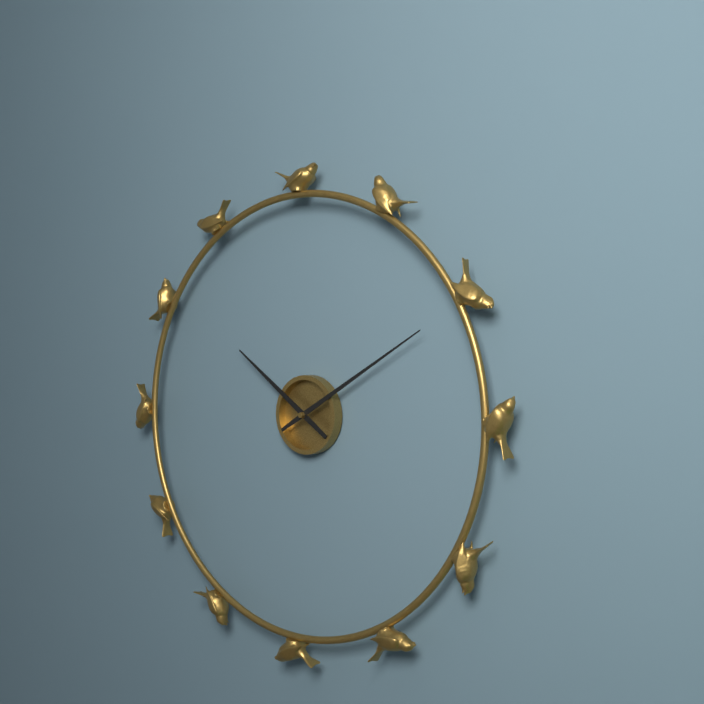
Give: 10:10
